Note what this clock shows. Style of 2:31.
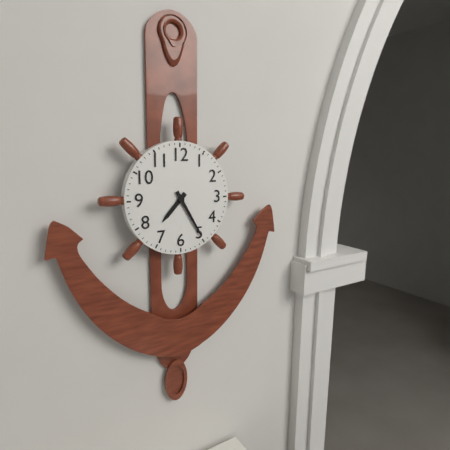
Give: 7:25
